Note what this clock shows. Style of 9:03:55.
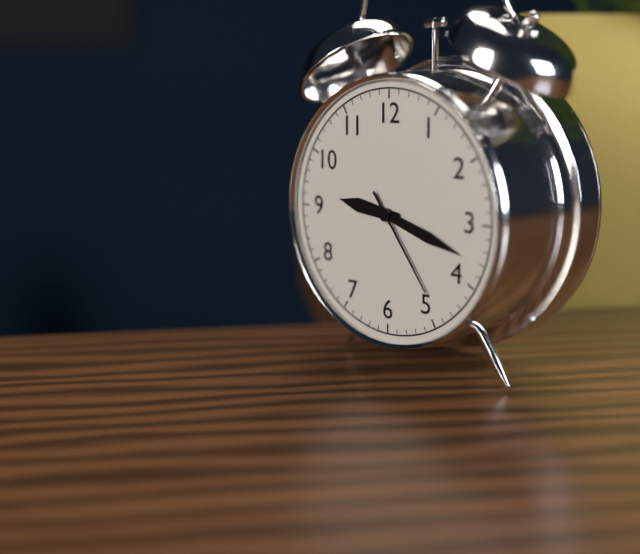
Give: 9:18:24
